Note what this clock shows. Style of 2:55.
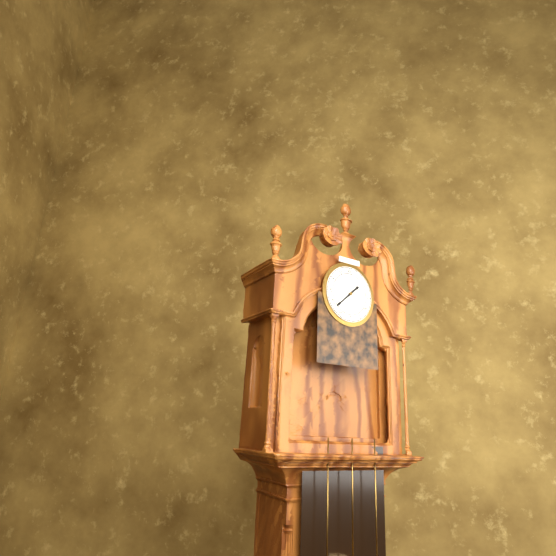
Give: 1:38
